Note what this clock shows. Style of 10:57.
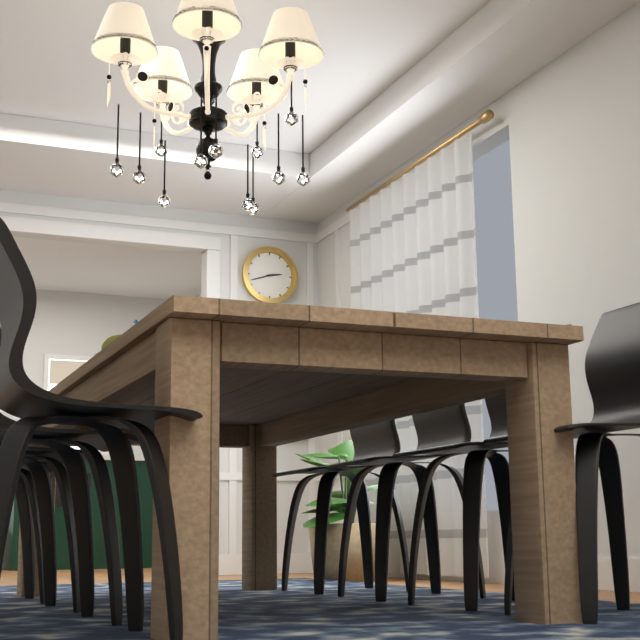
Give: 2:42
